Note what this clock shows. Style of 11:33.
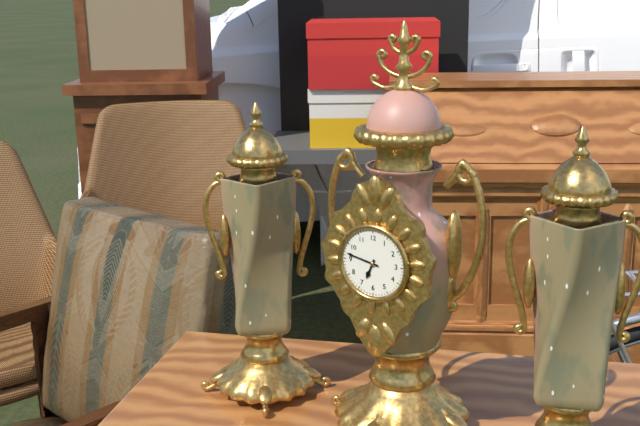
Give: 6:47
